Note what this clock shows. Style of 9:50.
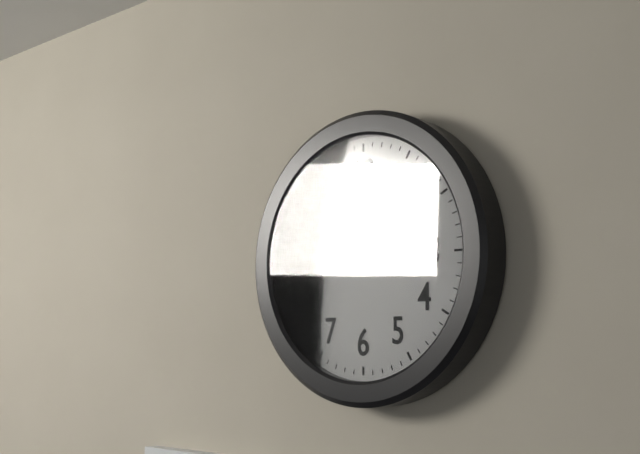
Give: 9:44
